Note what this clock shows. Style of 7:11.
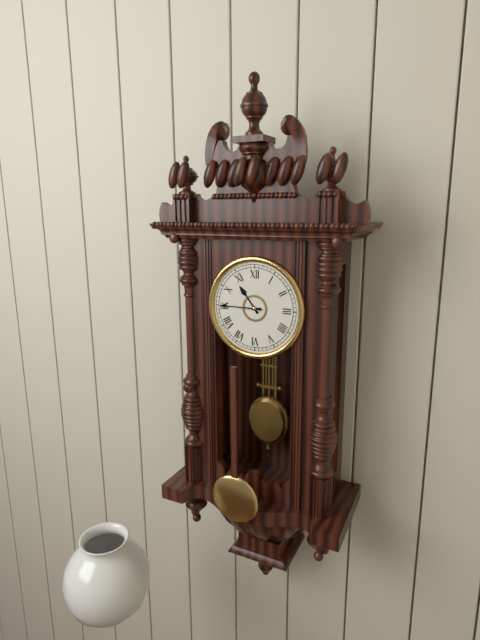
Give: 10:45
